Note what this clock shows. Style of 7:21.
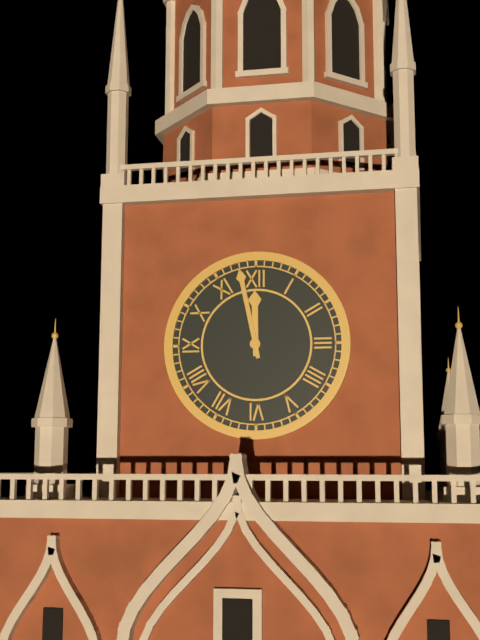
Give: 11:58
